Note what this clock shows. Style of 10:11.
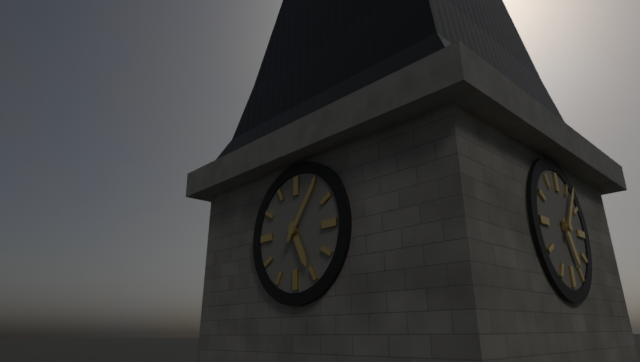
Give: 5:06
